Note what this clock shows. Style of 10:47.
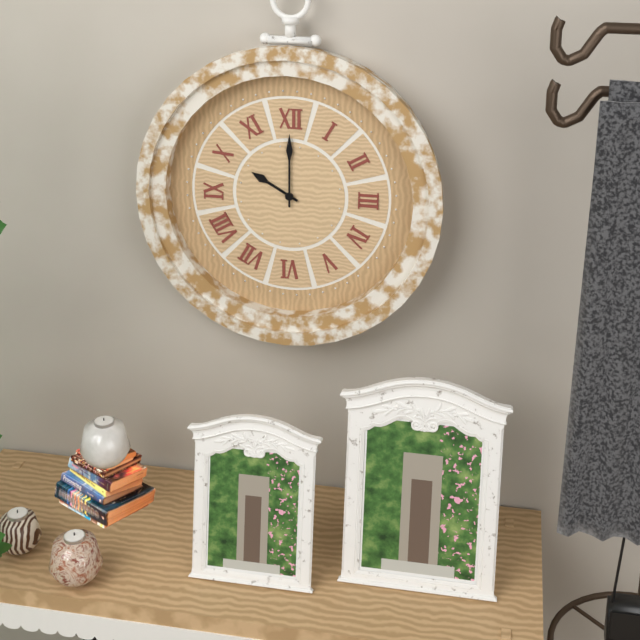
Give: 10:00
